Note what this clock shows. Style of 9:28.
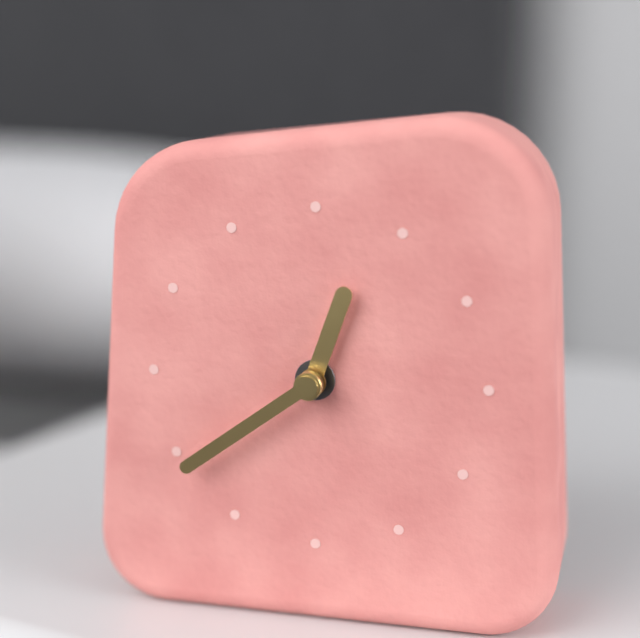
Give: 12:39
